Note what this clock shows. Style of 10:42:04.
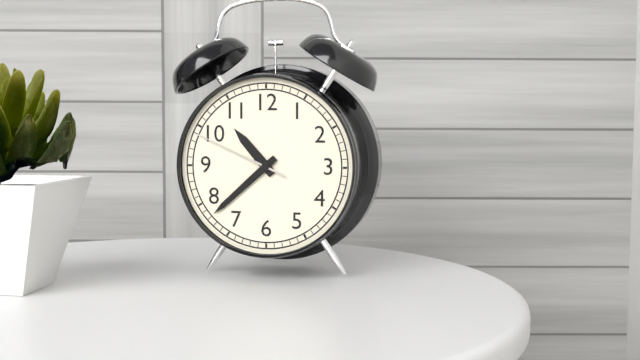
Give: 10:38:49
